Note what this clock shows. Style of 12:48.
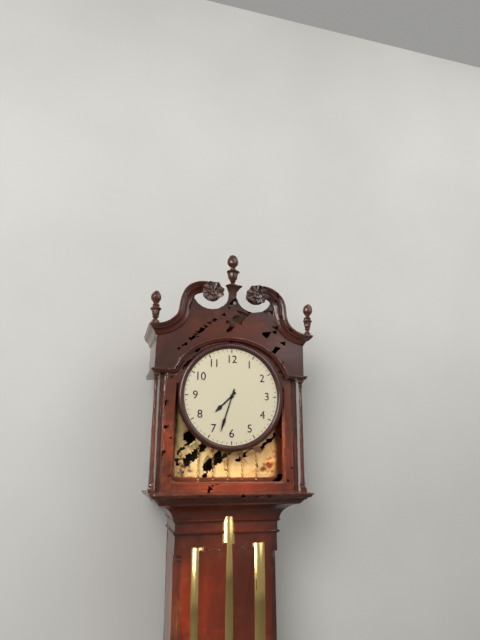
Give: 7:33
